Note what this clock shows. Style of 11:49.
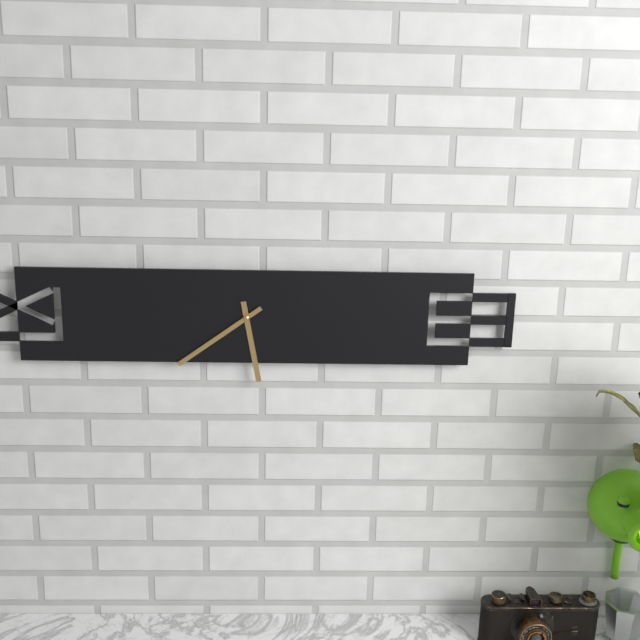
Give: 5:39
